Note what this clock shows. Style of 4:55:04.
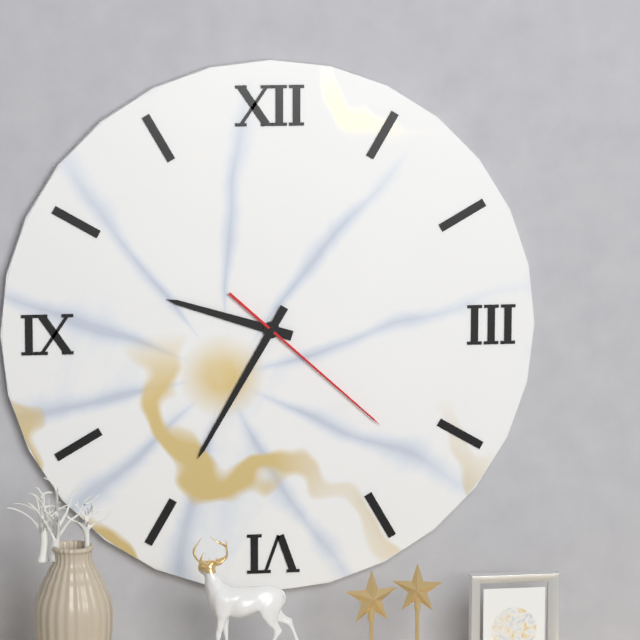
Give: 9:35:22
